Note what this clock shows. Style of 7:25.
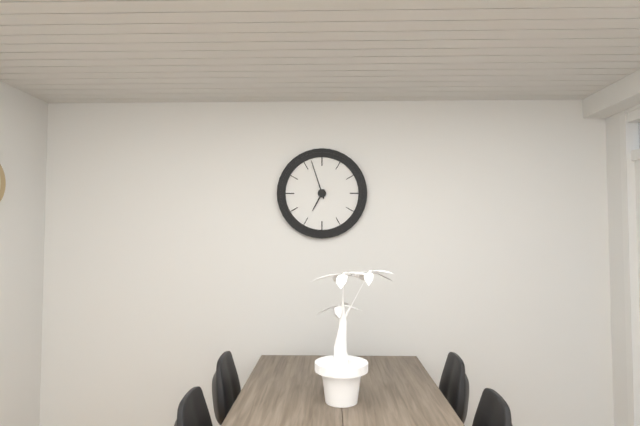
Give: 6:57
